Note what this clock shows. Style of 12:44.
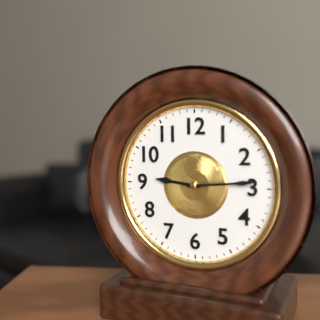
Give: 9:14
